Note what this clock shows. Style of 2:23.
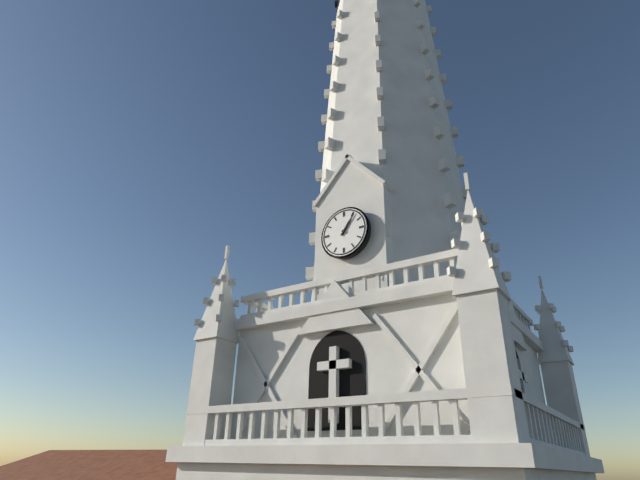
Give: 1:06
